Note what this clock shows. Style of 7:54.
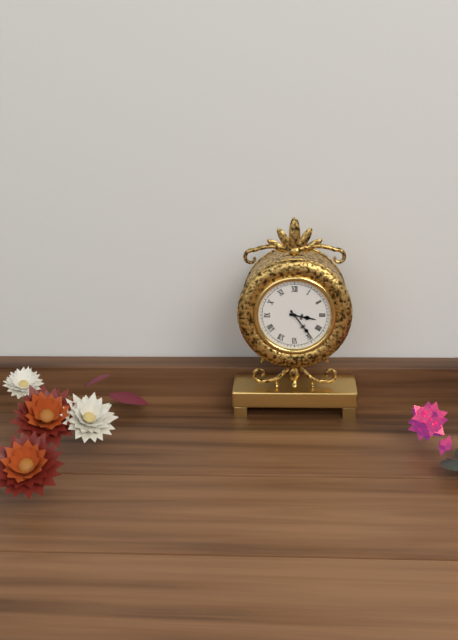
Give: 3:24
